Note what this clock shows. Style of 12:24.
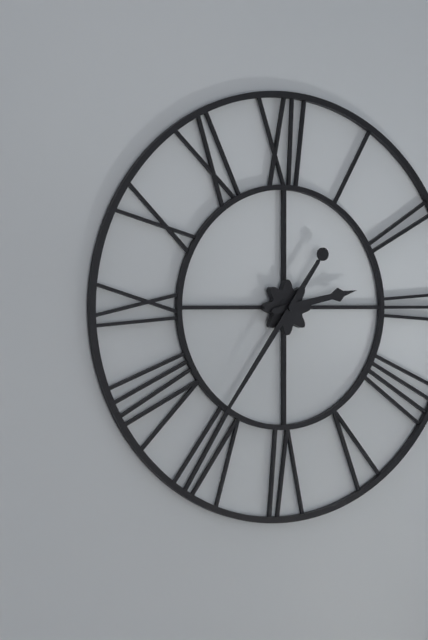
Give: 2:36
